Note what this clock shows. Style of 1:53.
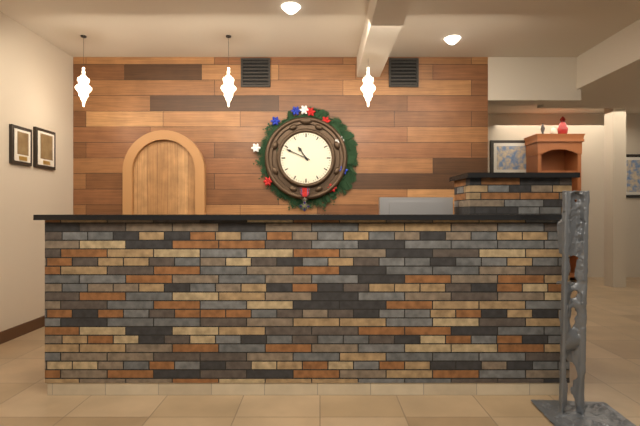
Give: 10:49
